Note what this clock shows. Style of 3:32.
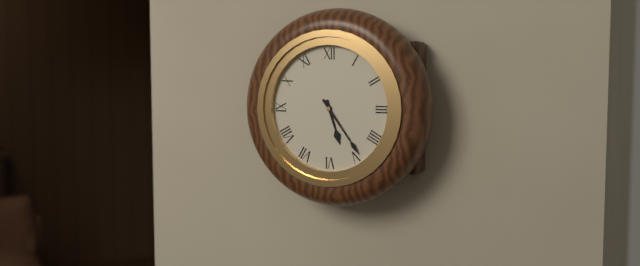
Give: 5:24
